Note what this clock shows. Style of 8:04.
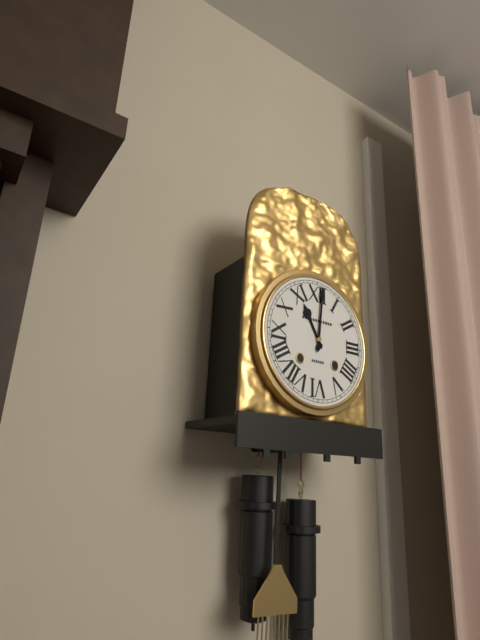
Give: 11:01
